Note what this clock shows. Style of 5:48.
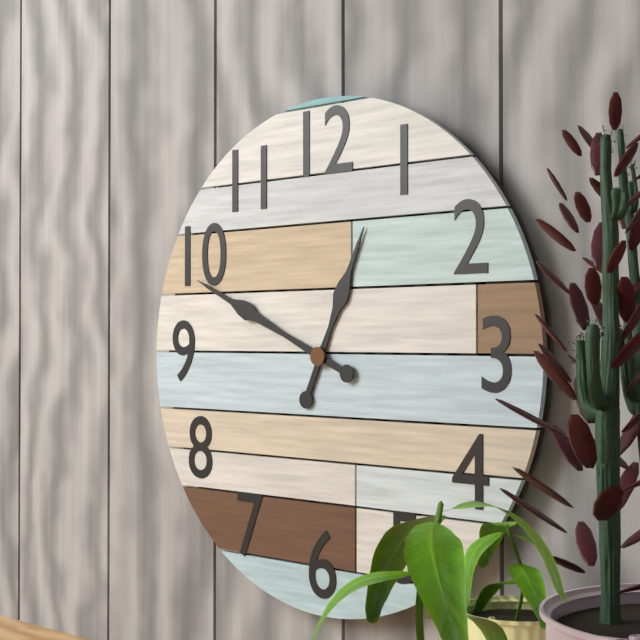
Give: 12:49
